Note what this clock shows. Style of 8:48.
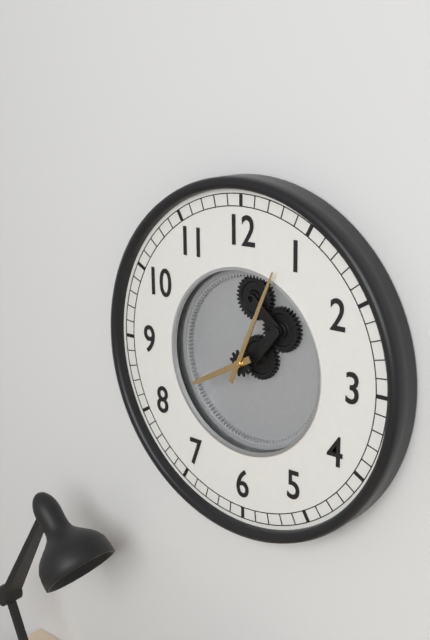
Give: 8:04
